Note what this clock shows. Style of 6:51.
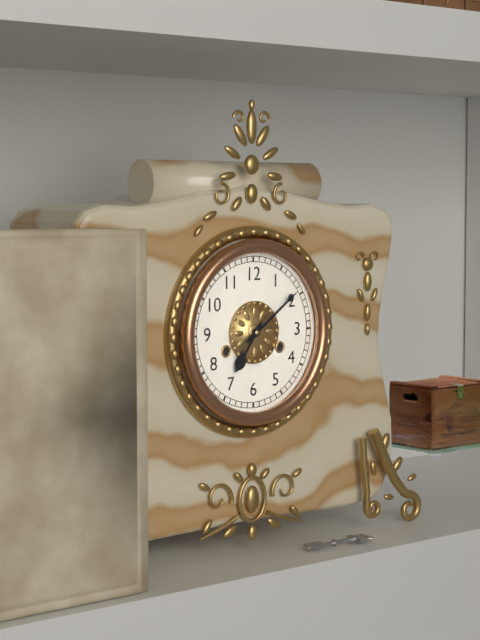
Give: 7:09
